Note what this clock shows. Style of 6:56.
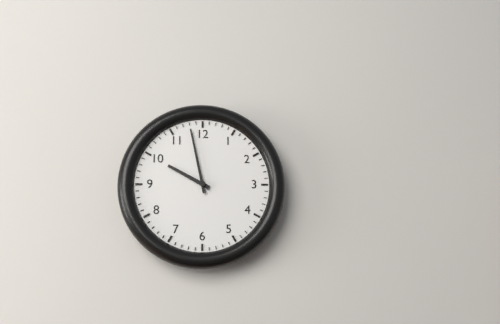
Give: 9:58
